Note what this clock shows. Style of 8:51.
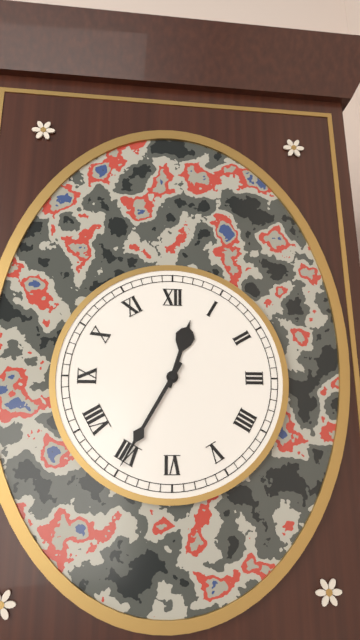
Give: 12:35
